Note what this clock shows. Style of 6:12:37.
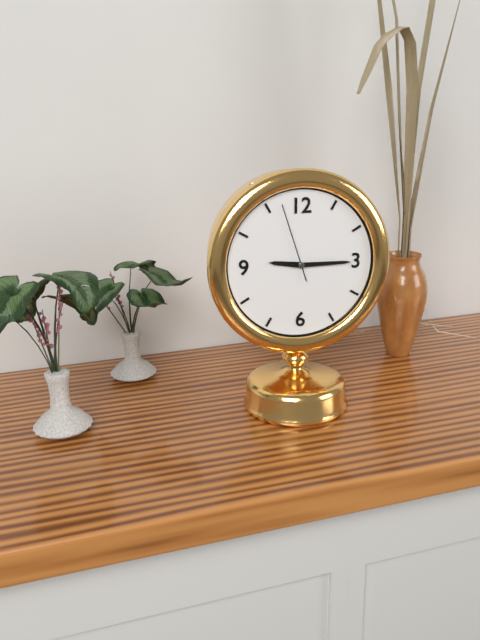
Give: 9:15:57
